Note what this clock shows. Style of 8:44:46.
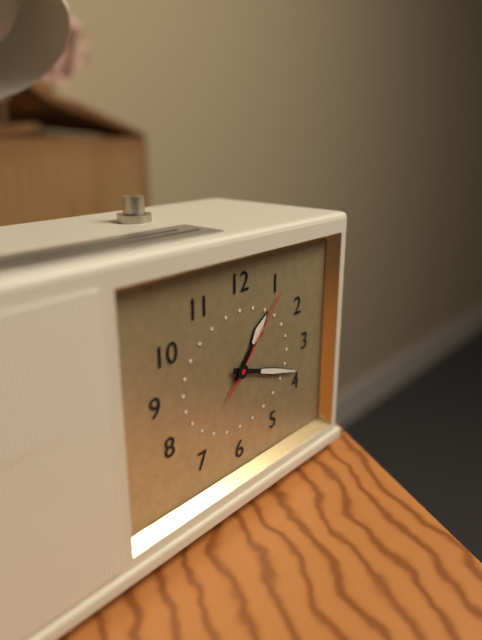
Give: 1:18:07
